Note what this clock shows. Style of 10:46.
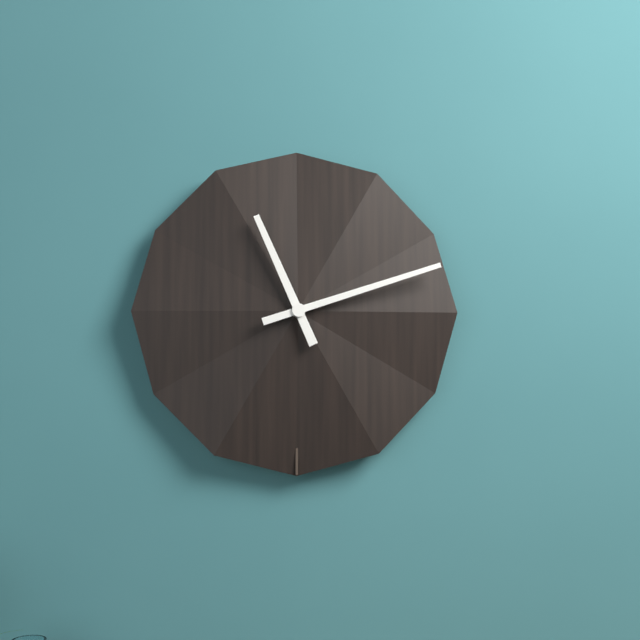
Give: 11:12
